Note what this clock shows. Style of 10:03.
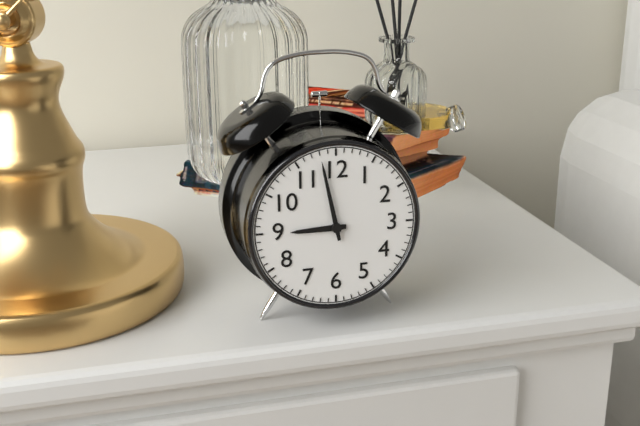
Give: 8:58
